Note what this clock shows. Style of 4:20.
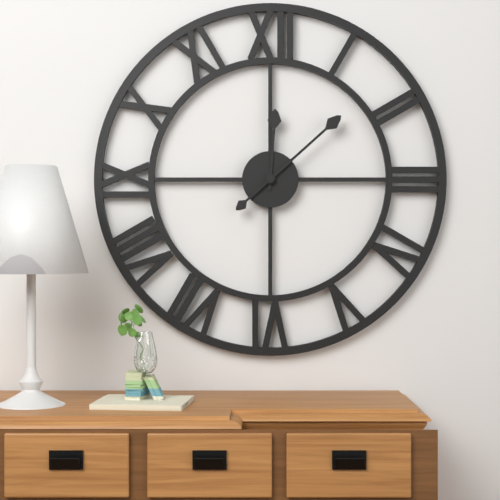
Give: 12:08
